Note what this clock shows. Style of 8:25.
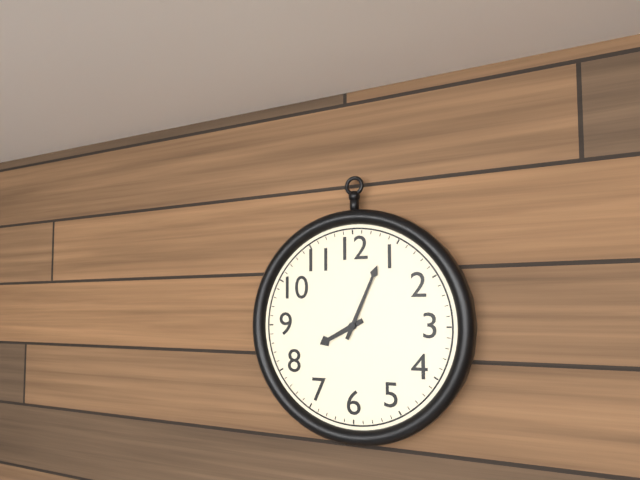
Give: 8:04
